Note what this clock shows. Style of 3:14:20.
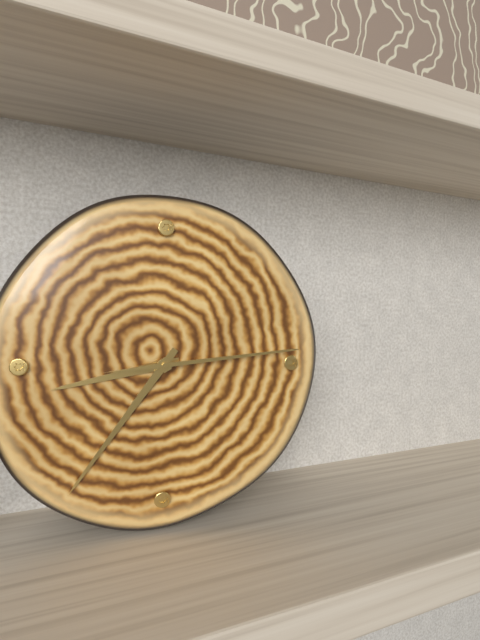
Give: 8:36:14
